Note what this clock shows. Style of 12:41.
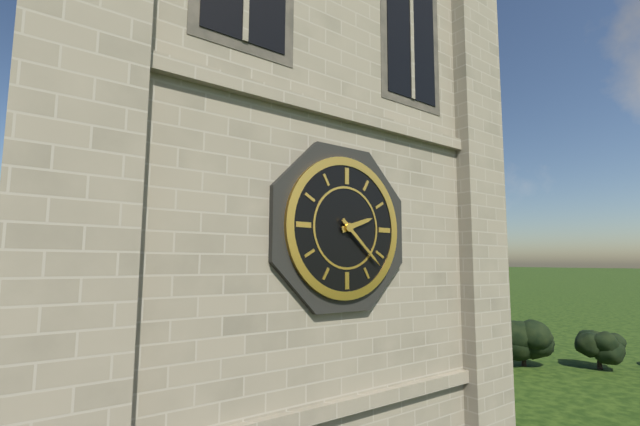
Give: 2:22
